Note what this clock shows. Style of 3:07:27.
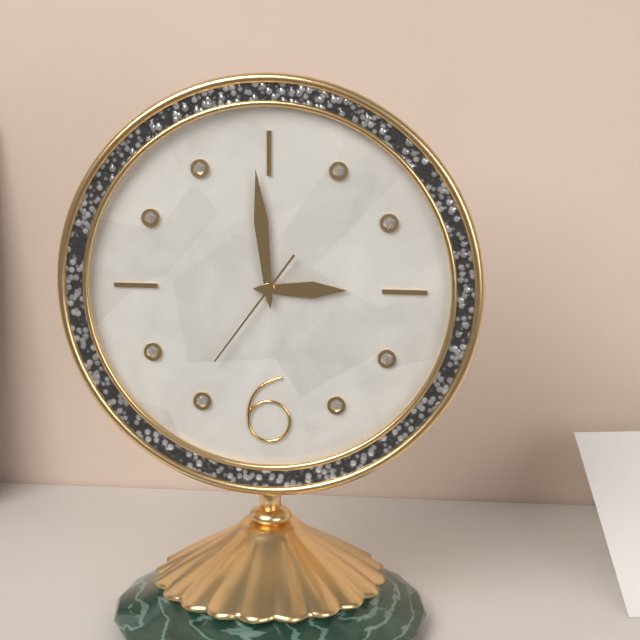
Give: 2:59:36
